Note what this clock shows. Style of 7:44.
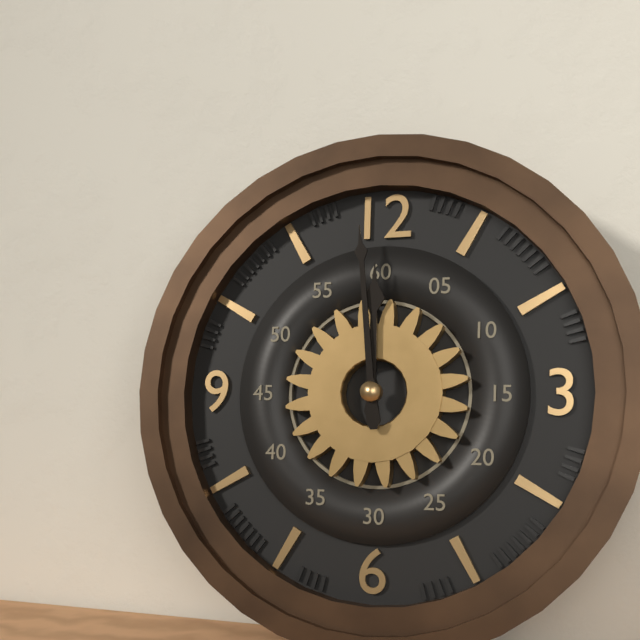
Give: 11:59
